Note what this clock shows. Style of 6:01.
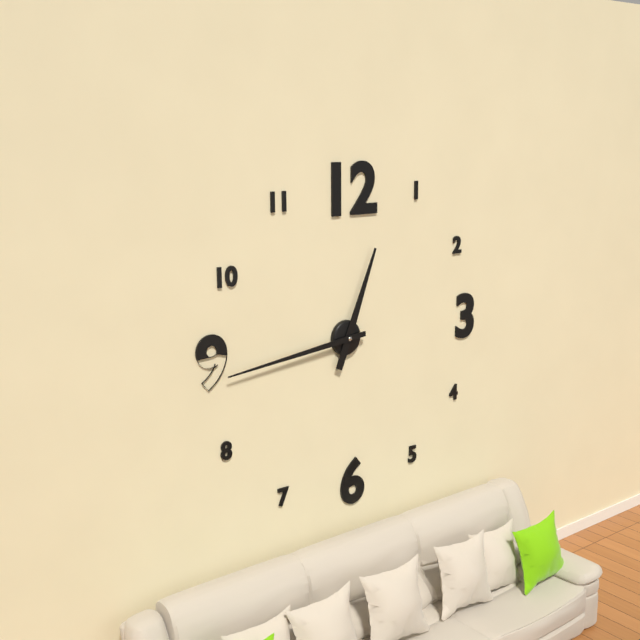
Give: 12:44
